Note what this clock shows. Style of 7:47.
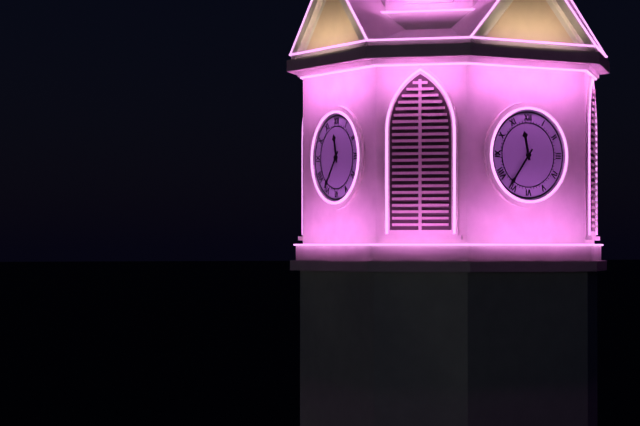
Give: 11:36
